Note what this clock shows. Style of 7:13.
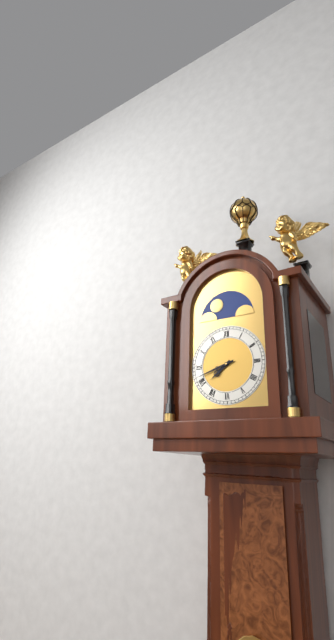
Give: 7:42
